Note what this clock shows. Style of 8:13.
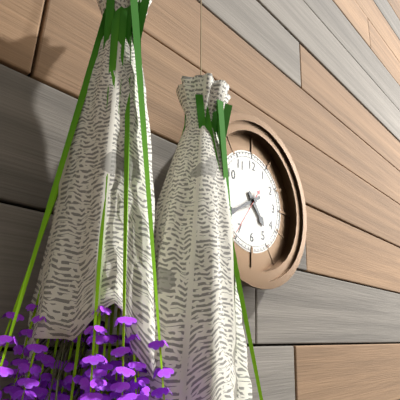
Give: 4:40
